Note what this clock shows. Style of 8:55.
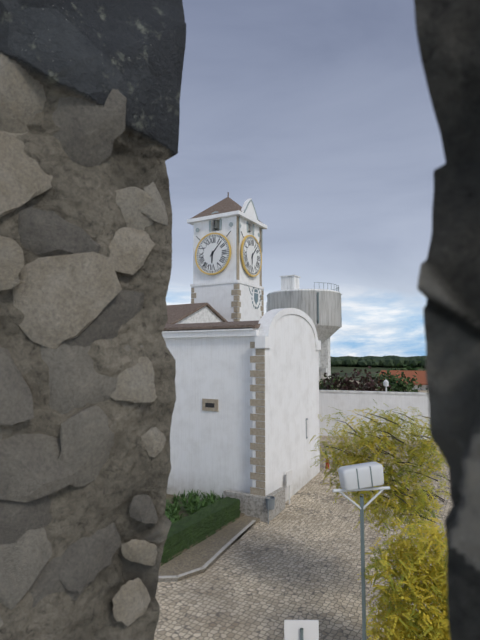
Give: 6:07
